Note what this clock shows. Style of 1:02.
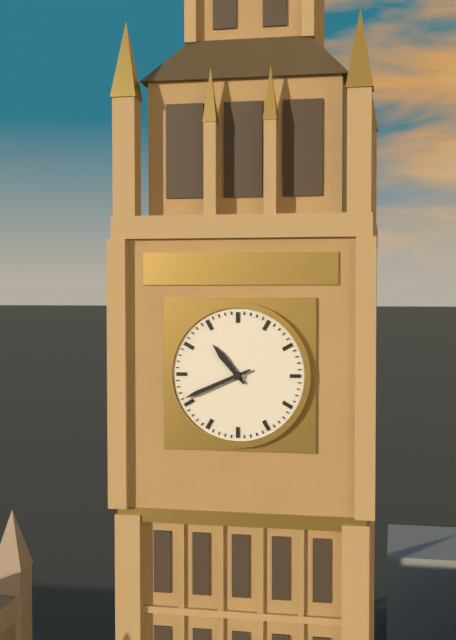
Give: 10:41
